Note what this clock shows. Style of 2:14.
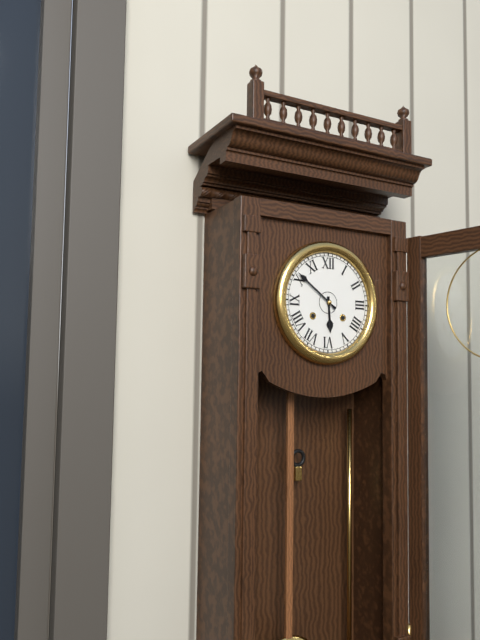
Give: 5:51
